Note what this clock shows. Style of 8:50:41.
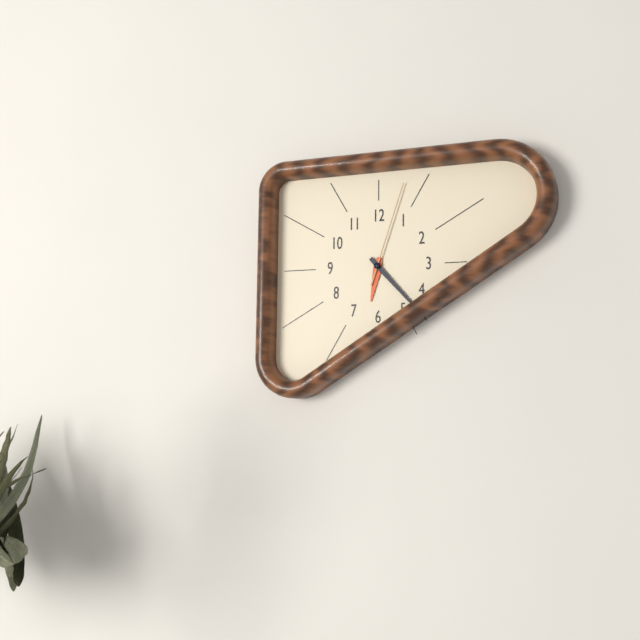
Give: 6:23:03
